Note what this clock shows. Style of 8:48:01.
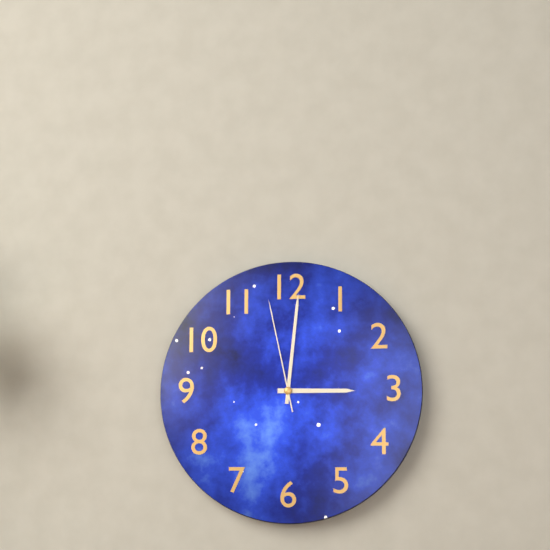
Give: 3:01:58
